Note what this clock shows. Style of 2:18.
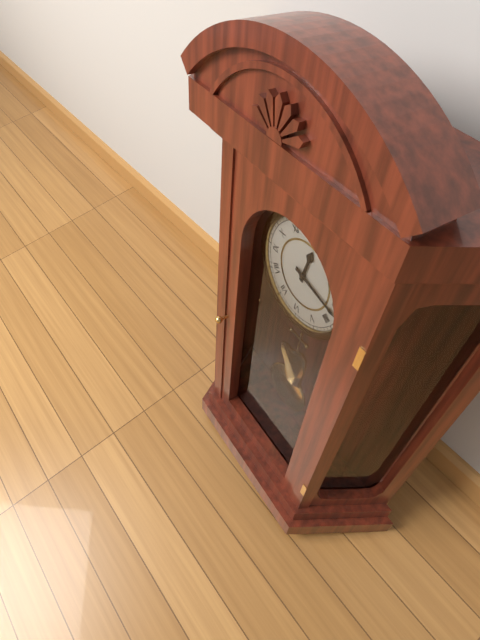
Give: 12:17
